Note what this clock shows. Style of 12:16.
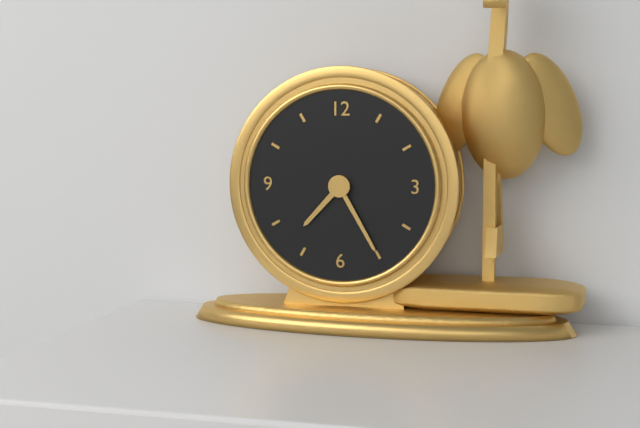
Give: 7:25
